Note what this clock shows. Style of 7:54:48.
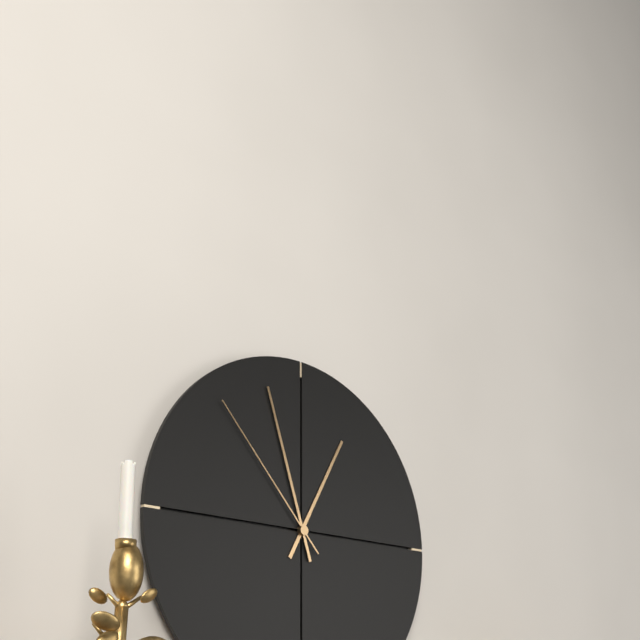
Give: 12:57:53
